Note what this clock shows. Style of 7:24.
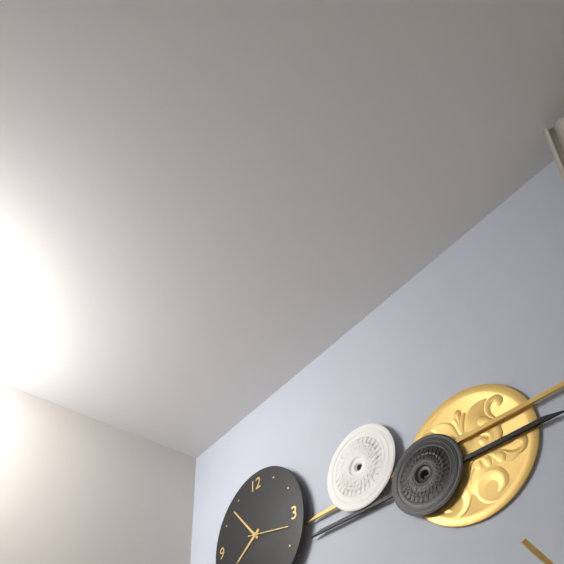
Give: 7:53
